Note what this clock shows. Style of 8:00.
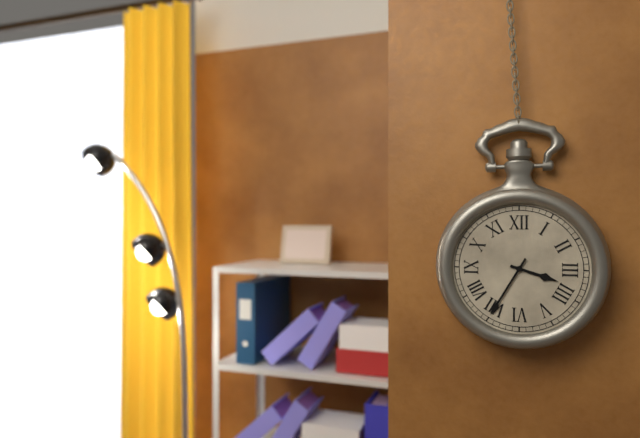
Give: 3:35
